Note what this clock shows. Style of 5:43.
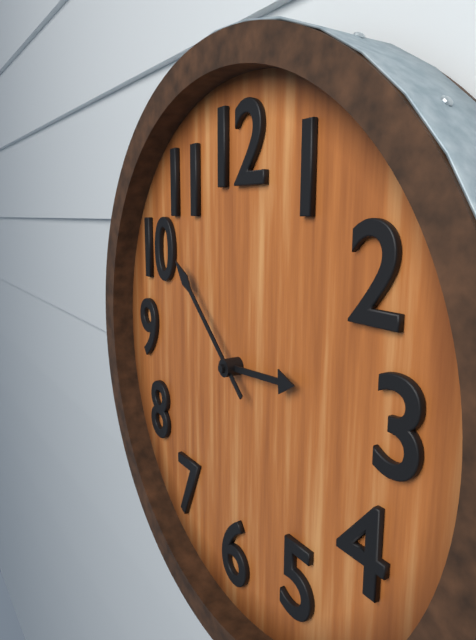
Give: 2:52
